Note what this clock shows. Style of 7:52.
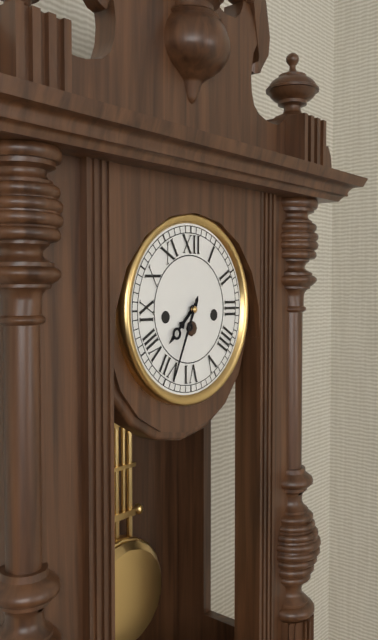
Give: 7:34
